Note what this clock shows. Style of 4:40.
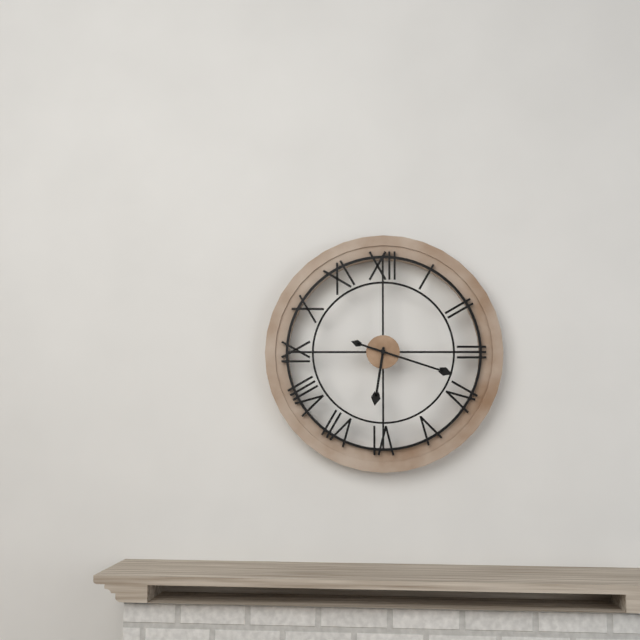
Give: 6:18
